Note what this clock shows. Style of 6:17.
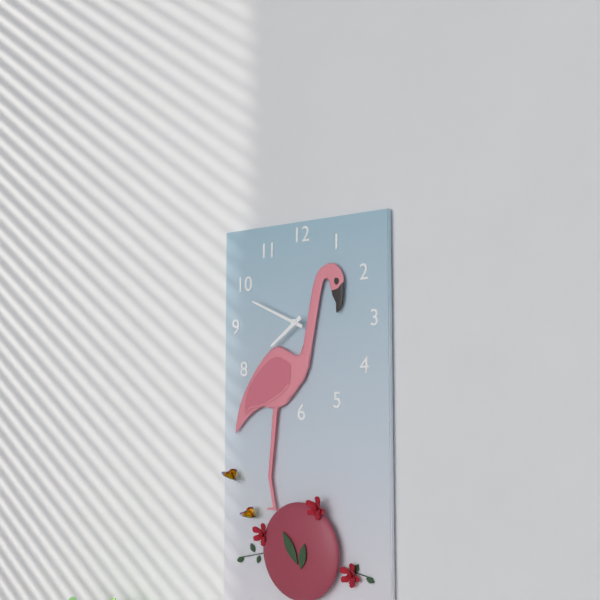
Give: 7:49
